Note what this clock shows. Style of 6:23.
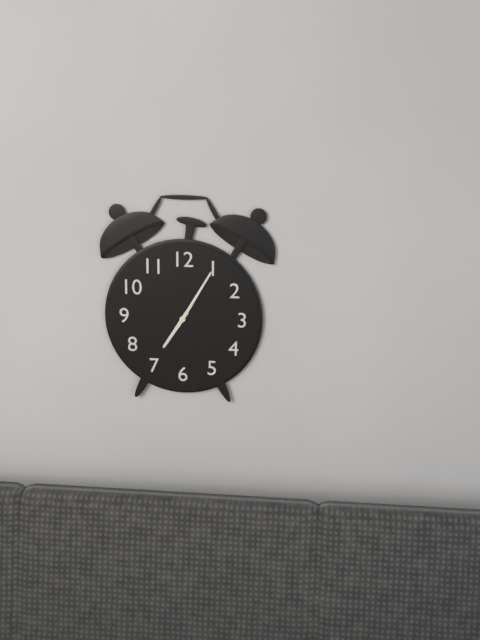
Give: 7:05
